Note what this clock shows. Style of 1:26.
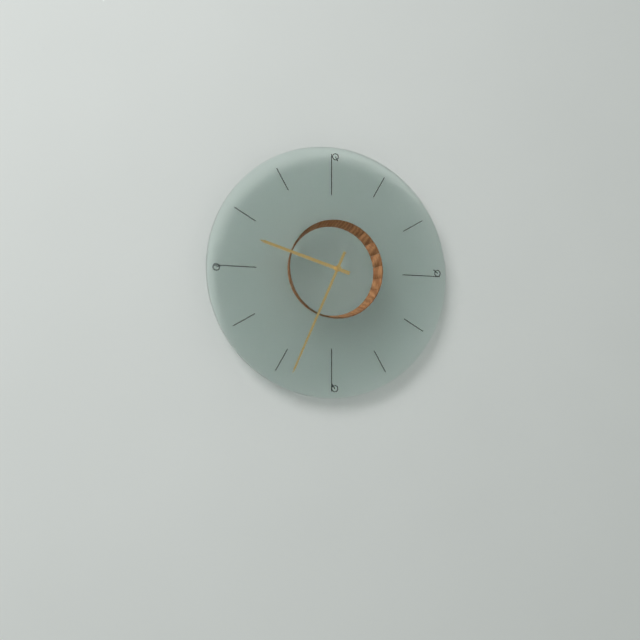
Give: 9:34
